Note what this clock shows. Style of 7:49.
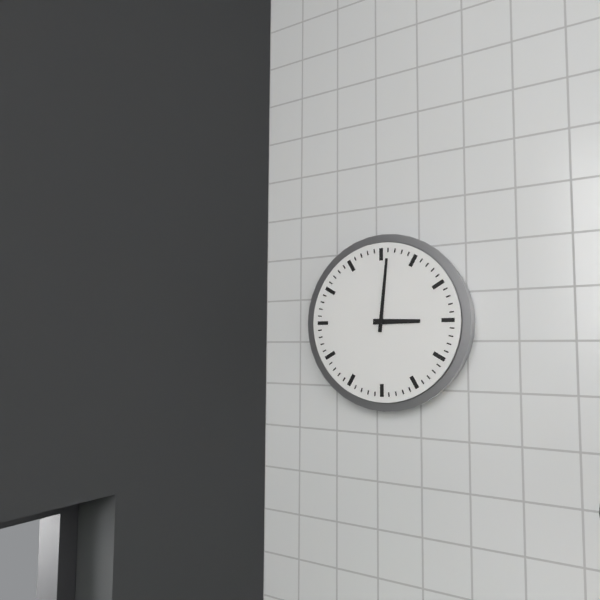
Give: 3:01
